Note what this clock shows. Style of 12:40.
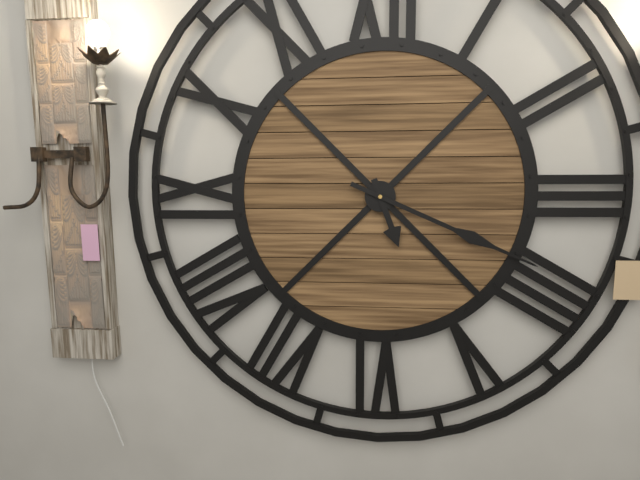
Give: 5:19
